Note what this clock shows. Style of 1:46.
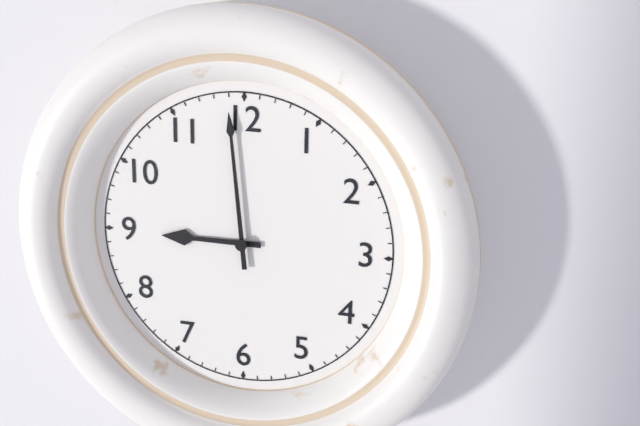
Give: 8:59
